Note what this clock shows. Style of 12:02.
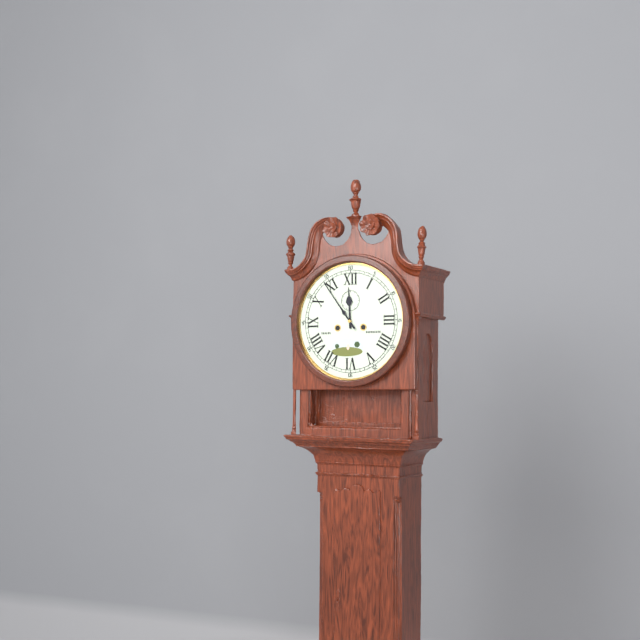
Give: 11:54
